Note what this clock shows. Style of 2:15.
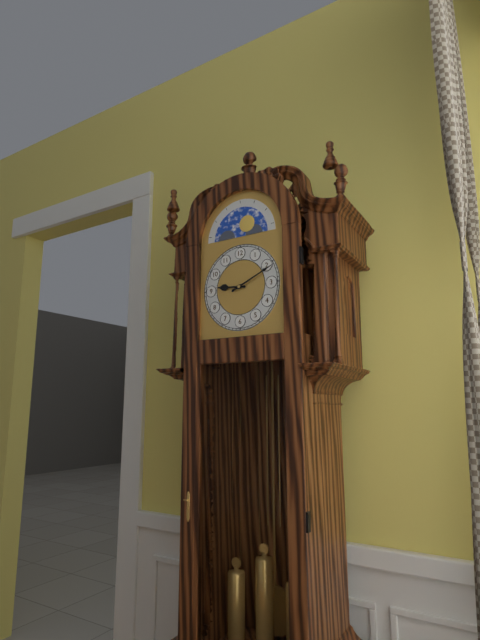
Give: 9:11
